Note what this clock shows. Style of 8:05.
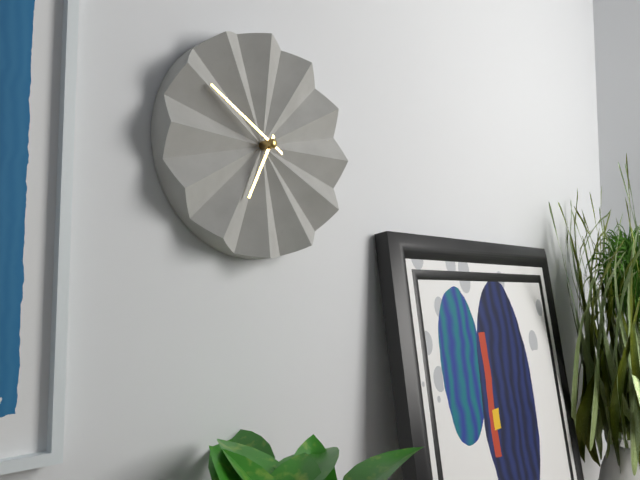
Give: 6:50
